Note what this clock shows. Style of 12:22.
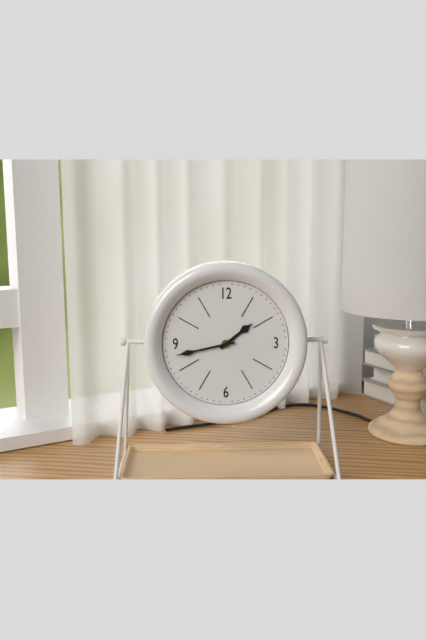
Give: 1:43
